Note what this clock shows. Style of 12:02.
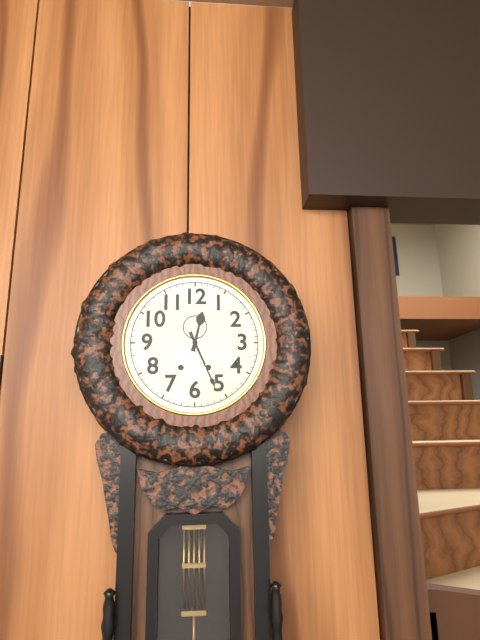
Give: 12:26
